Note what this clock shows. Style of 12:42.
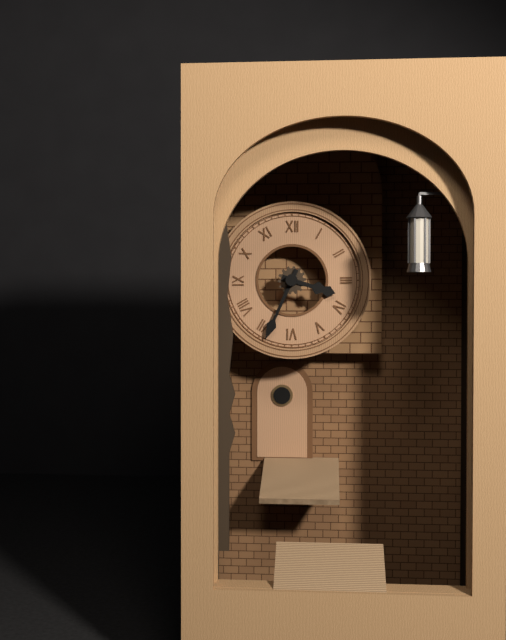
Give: 3:34
